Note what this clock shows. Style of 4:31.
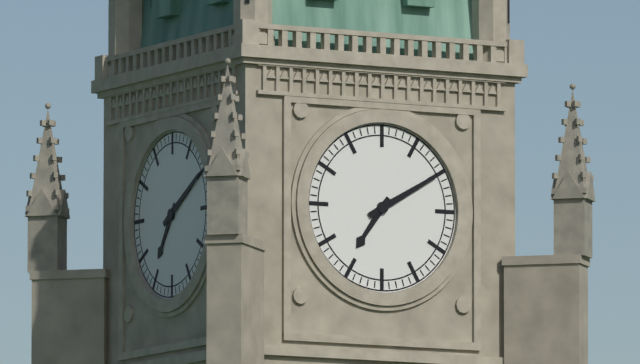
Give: 7:10
